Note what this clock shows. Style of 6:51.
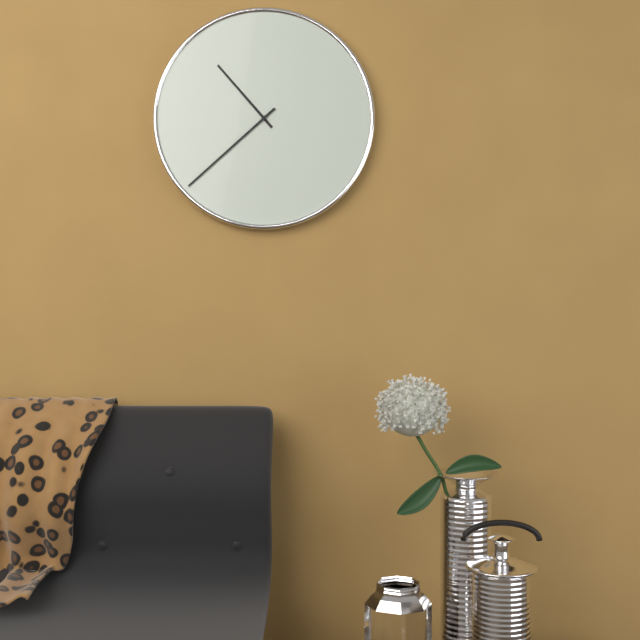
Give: 10:38
